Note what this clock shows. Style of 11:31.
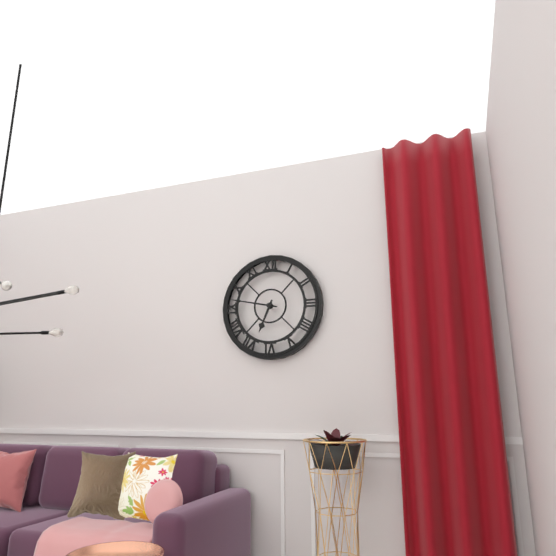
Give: 6:47
